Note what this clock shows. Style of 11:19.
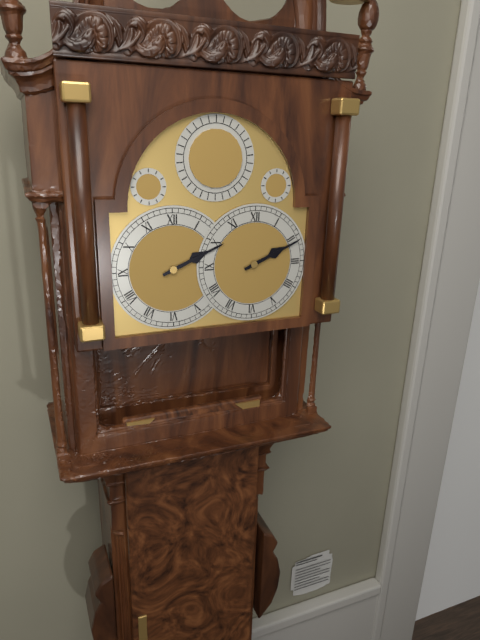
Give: 2:11
